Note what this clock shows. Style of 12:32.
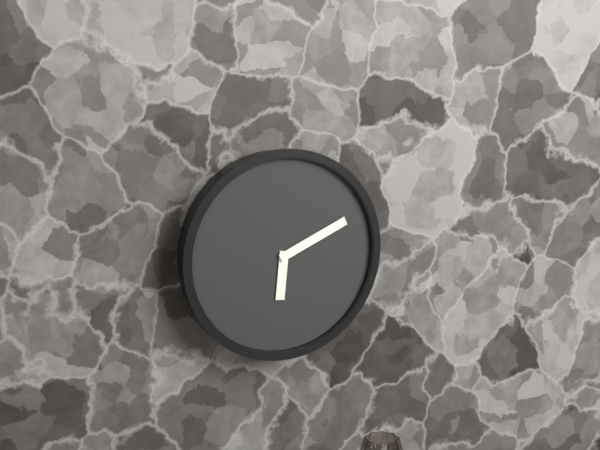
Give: 6:11
